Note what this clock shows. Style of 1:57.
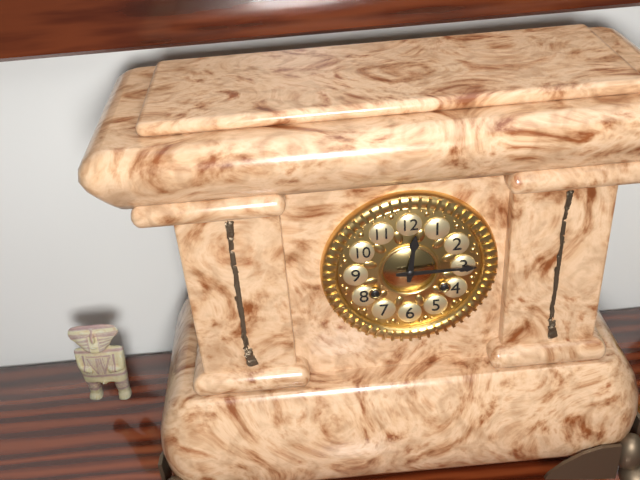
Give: 12:15
